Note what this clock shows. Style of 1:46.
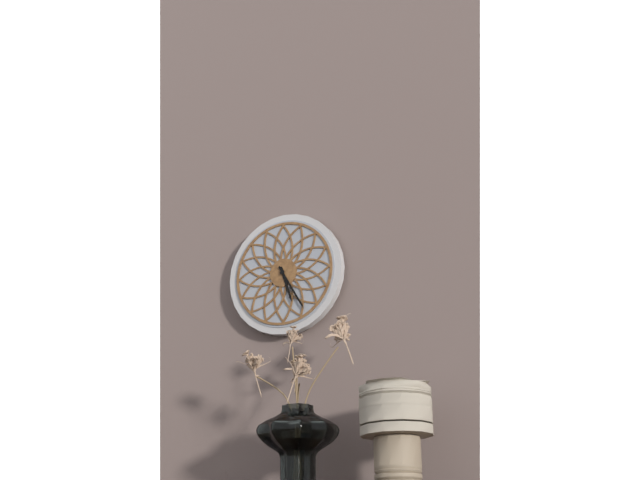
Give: 5:25
